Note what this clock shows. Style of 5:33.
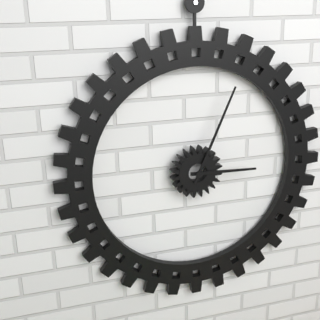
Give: 3:04
